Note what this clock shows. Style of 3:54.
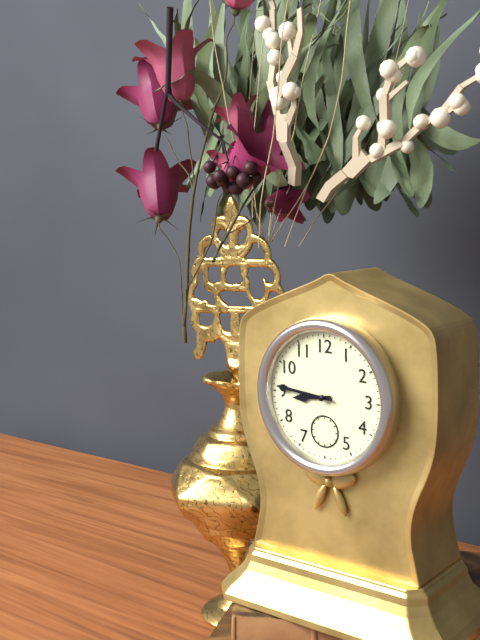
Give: 8:46
